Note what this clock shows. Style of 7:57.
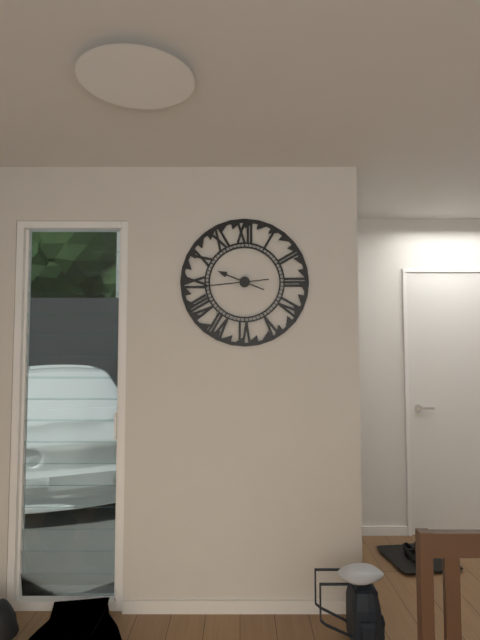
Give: 9:44
